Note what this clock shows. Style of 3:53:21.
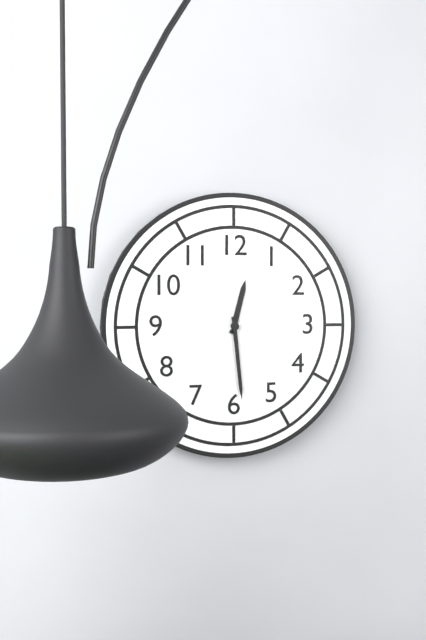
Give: 12:29:10
